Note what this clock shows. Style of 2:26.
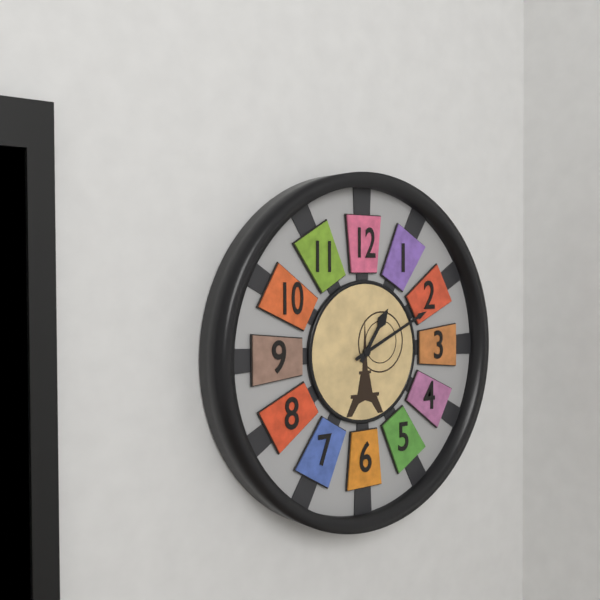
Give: 1:11
